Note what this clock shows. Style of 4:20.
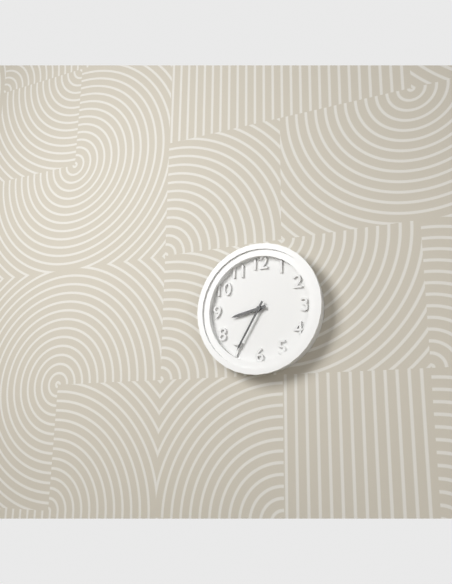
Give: 8:35
